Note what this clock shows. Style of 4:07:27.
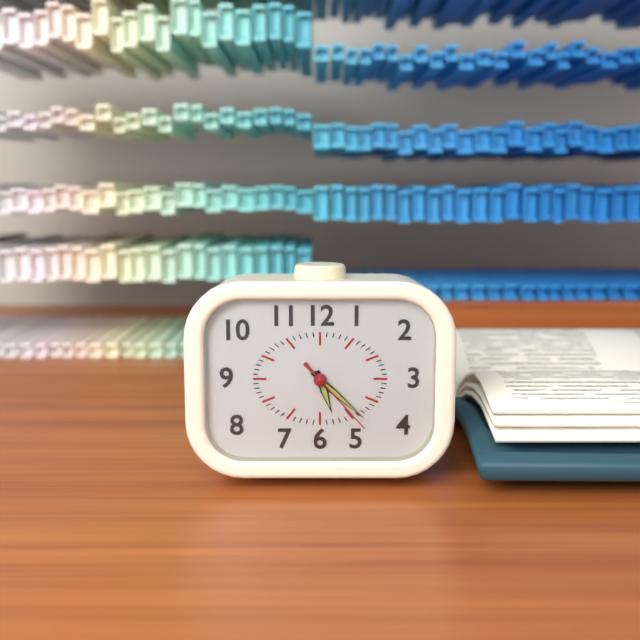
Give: 5:22:23
